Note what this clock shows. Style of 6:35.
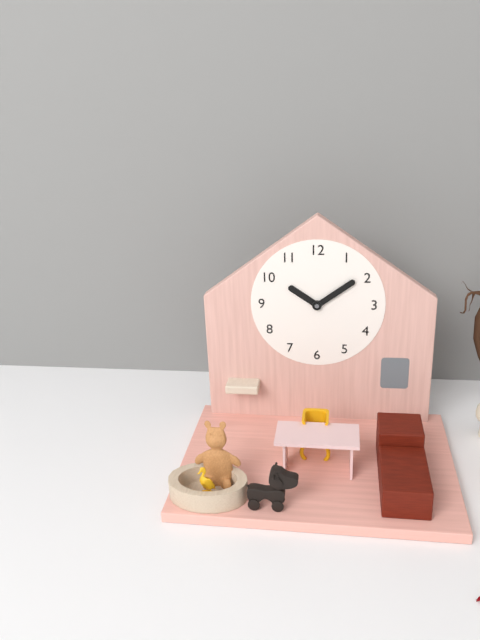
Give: 10:09
